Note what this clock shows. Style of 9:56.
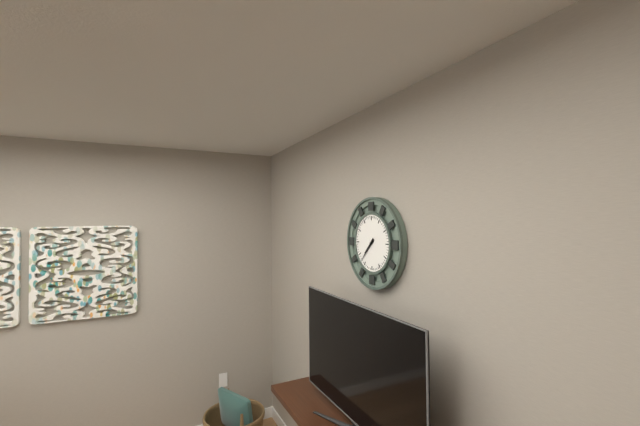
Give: 7:37
